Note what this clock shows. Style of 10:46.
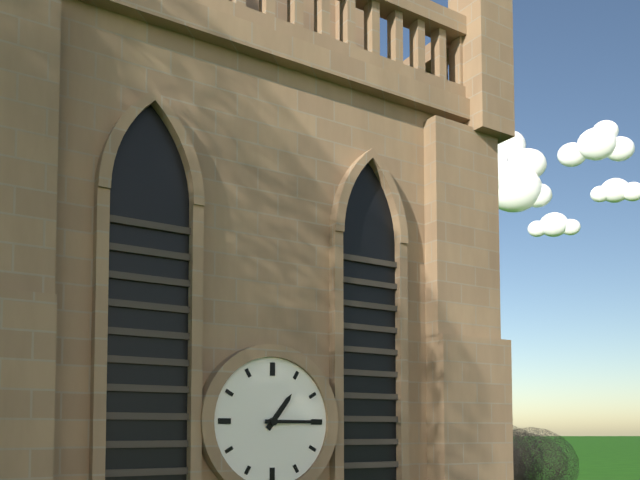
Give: 1:15
